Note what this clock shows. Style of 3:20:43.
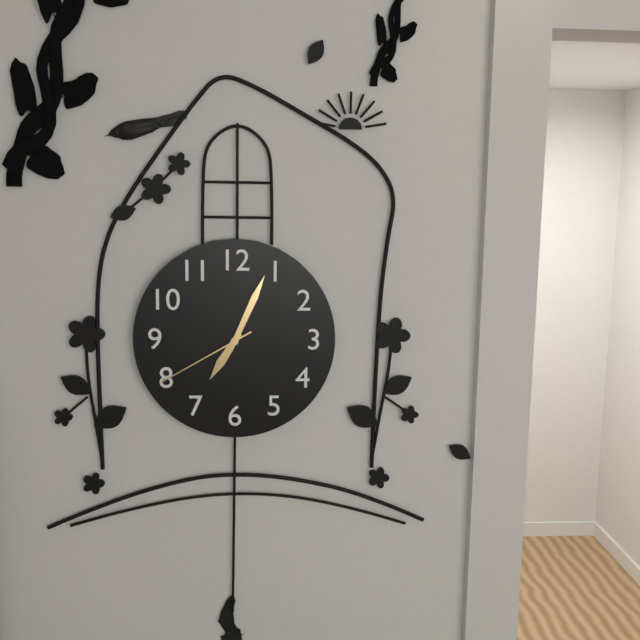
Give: 7:04:40
